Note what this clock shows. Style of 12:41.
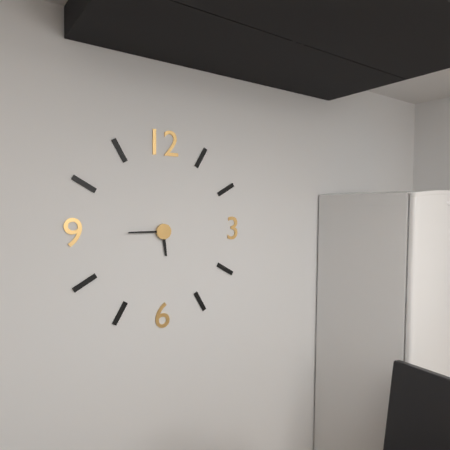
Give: 5:45
